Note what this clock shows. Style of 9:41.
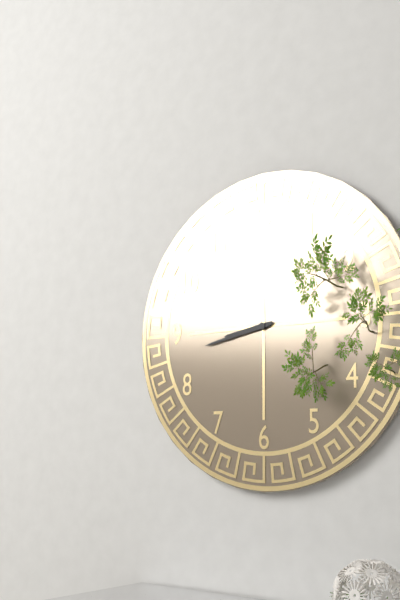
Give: 8:43
